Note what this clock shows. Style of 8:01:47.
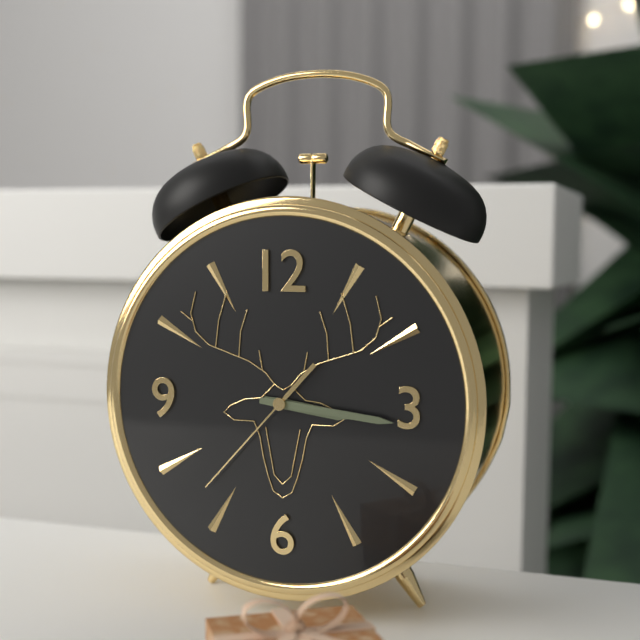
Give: 3:16:37
